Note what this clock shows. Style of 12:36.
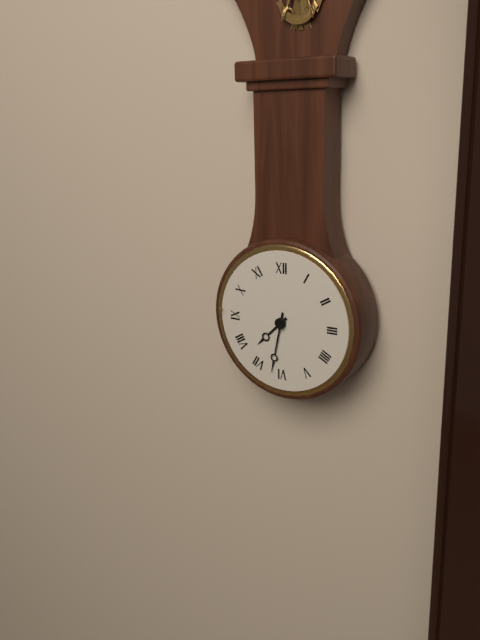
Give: 7:32
